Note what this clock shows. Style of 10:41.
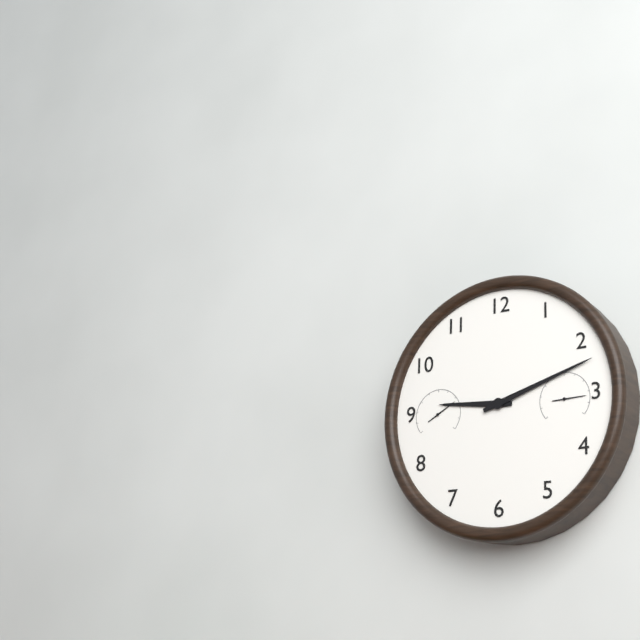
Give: 9:12
